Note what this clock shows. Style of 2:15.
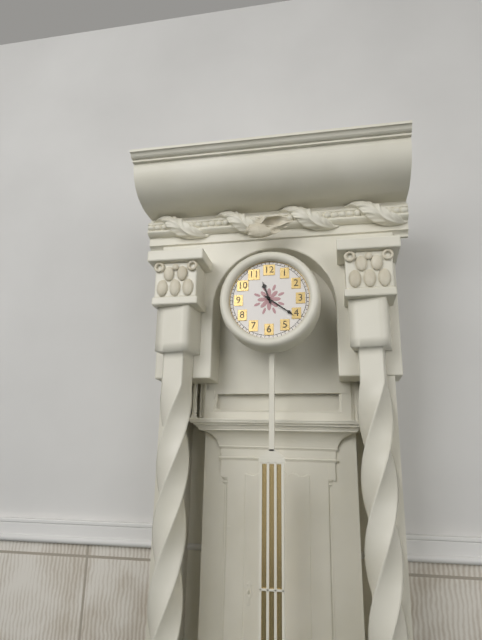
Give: 11:21
